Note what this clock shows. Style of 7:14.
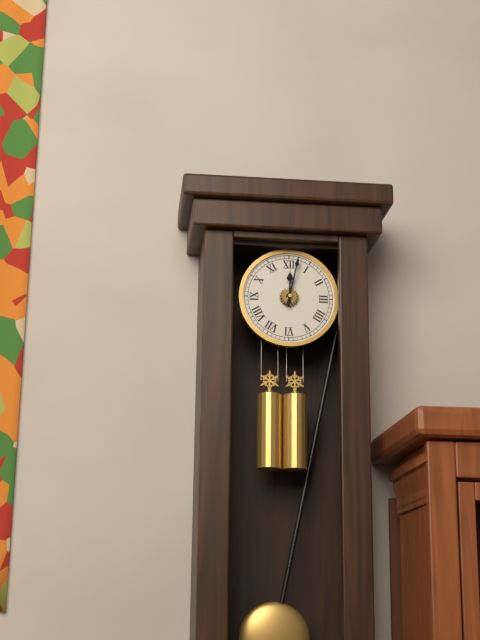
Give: 12:02
